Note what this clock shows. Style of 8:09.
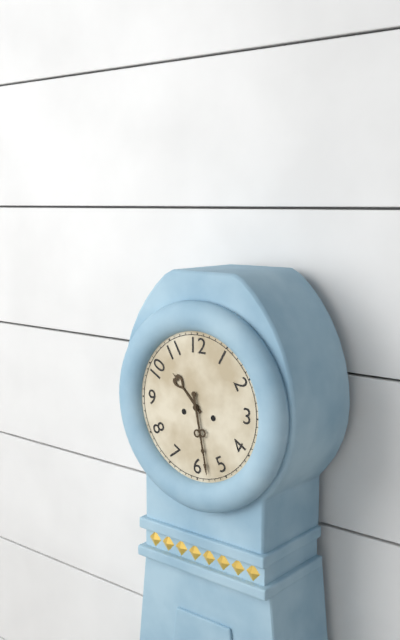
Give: 10:28
